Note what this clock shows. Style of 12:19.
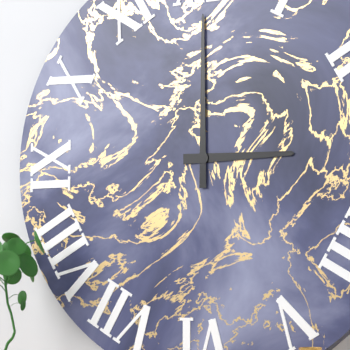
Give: 3:00
